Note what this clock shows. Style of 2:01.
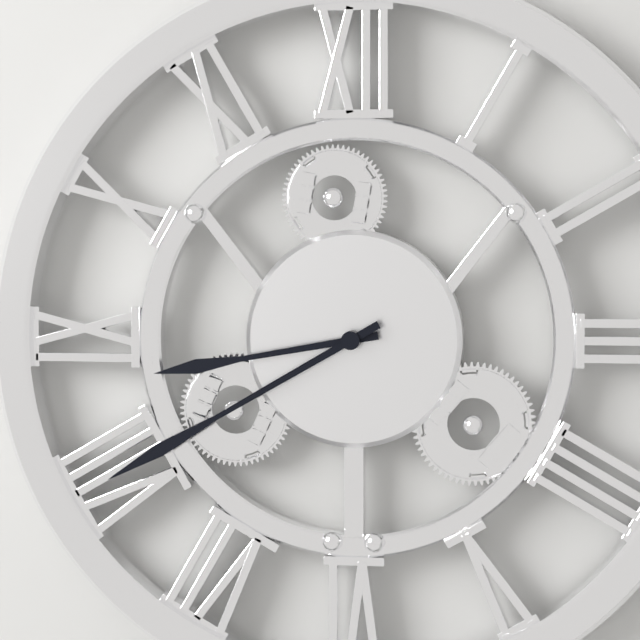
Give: 8:40
